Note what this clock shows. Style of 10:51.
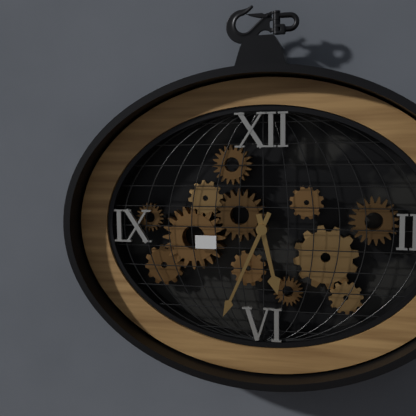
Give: 5:34
